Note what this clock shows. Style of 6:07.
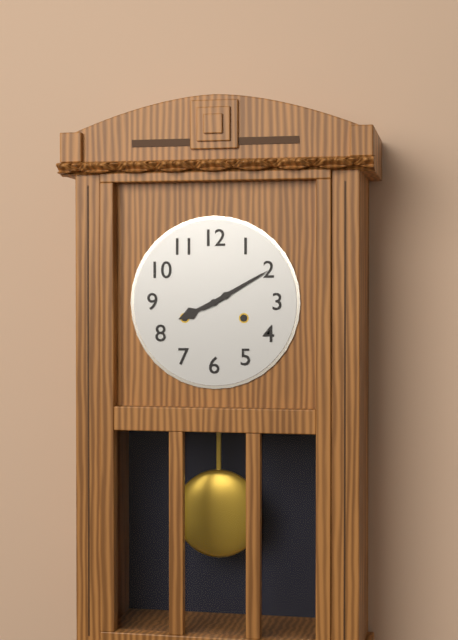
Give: 8:10
